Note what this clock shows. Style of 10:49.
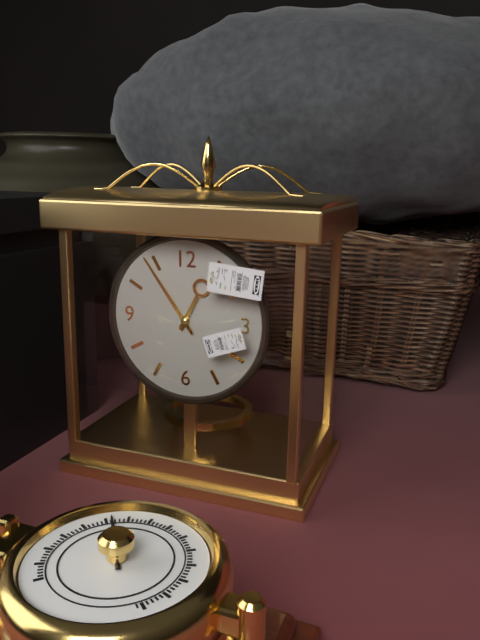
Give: 12:54
